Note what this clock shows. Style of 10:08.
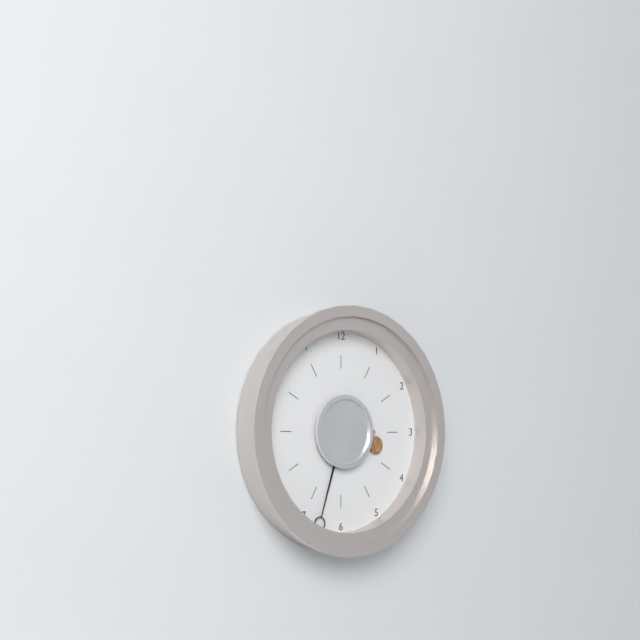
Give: 3:33
